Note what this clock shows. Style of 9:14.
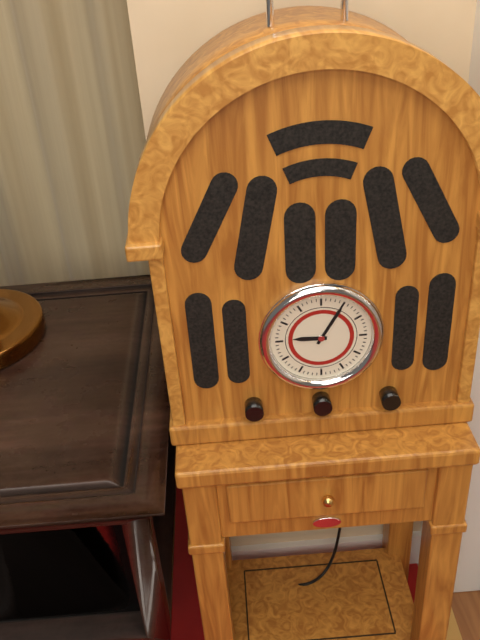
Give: 9:05
